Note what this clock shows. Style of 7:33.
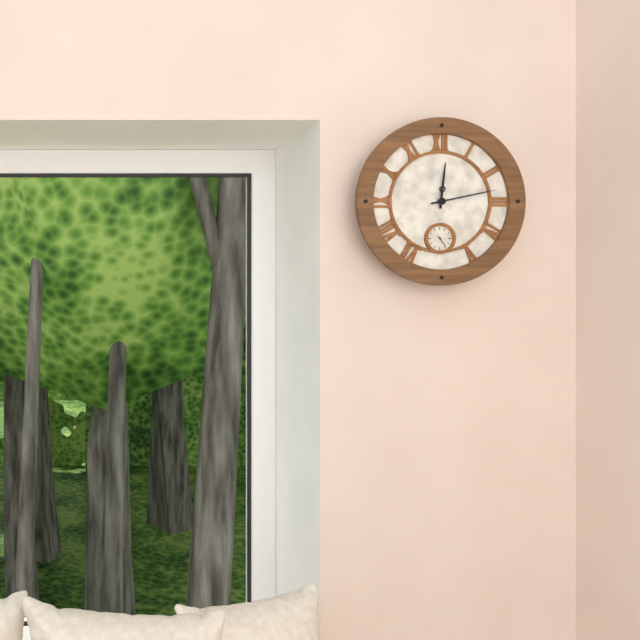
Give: 12:13
